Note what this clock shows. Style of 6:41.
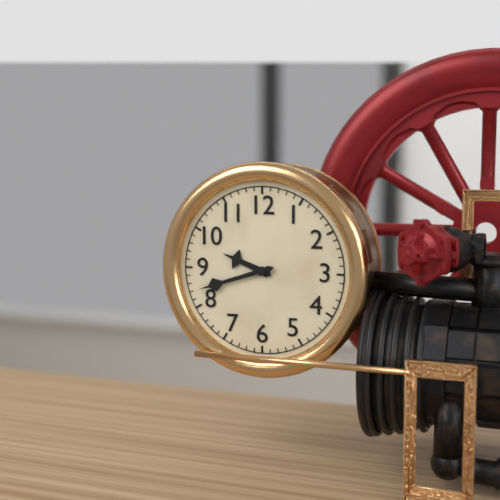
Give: 9:42
